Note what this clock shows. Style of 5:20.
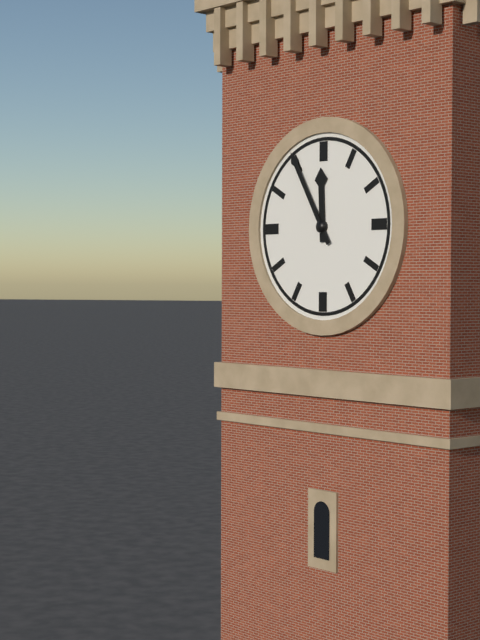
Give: 11:55
